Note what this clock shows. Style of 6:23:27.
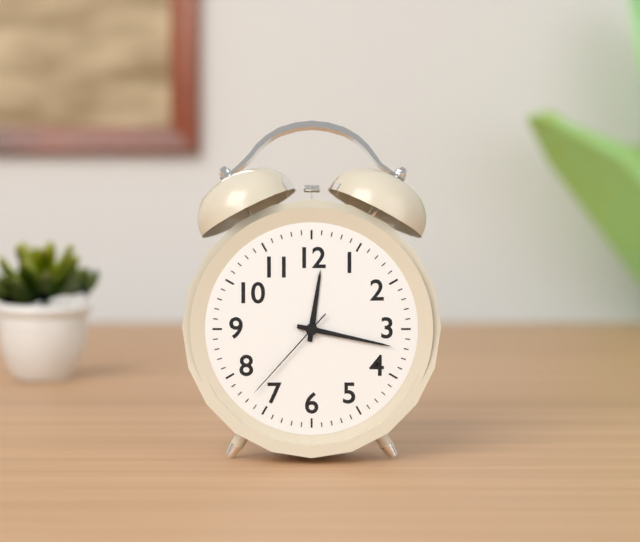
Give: 12:17:37
